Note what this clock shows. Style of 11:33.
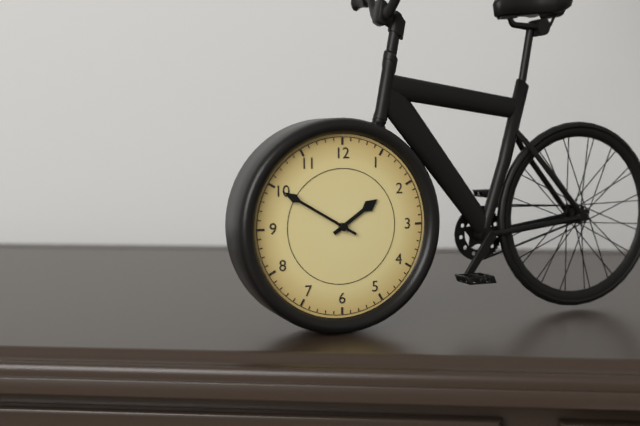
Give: 1:50
